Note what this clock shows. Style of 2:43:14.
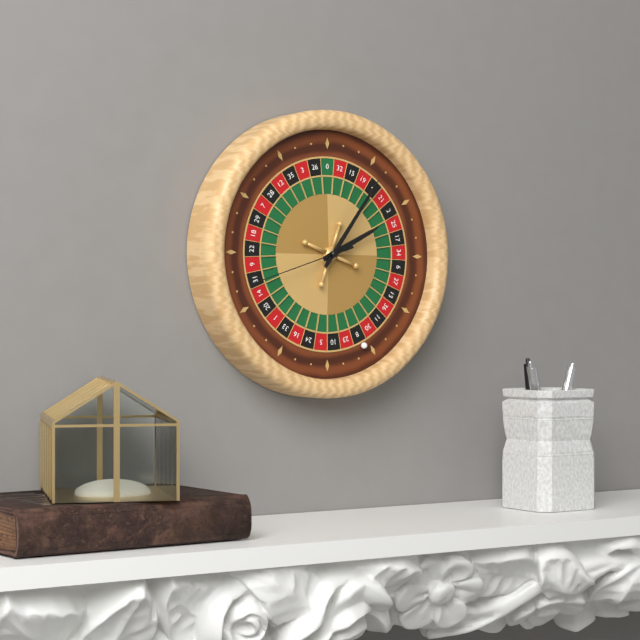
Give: 2:06:42
